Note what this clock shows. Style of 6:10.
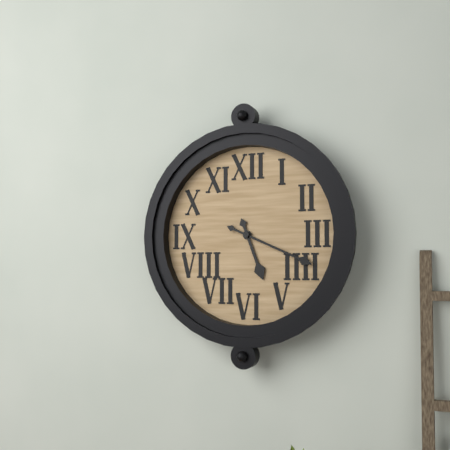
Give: 5:19
